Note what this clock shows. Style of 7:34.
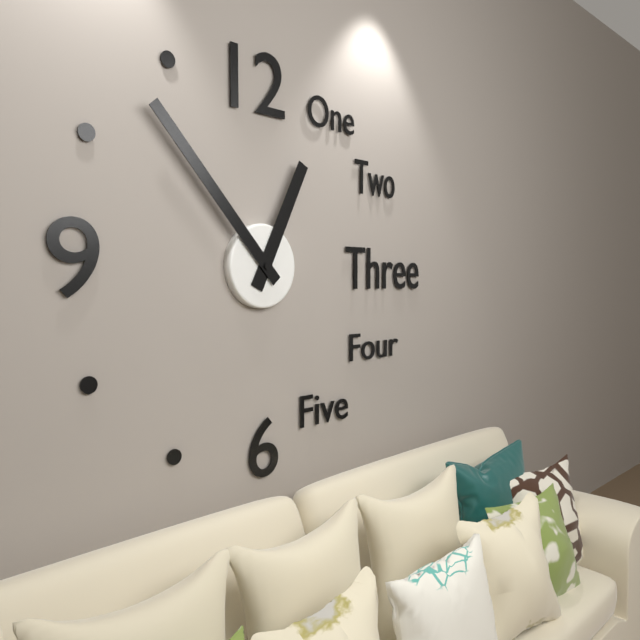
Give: 12:53
